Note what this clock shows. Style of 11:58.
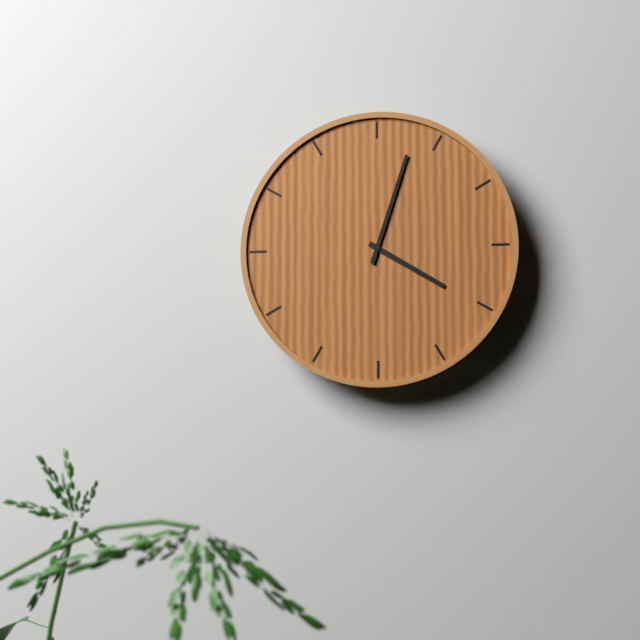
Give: 4:03
